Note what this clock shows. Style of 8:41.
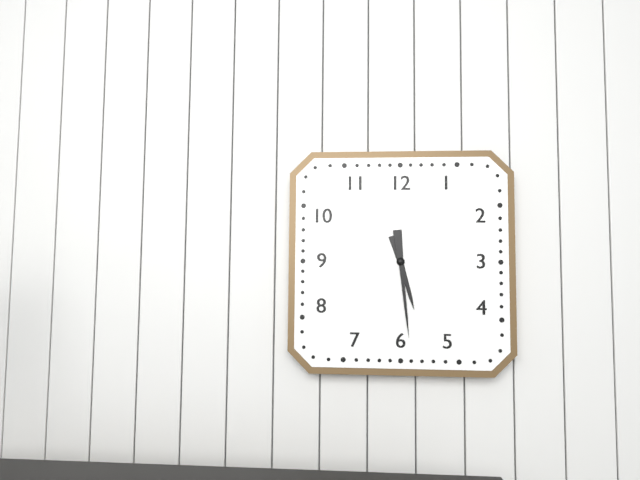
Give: 5:29
